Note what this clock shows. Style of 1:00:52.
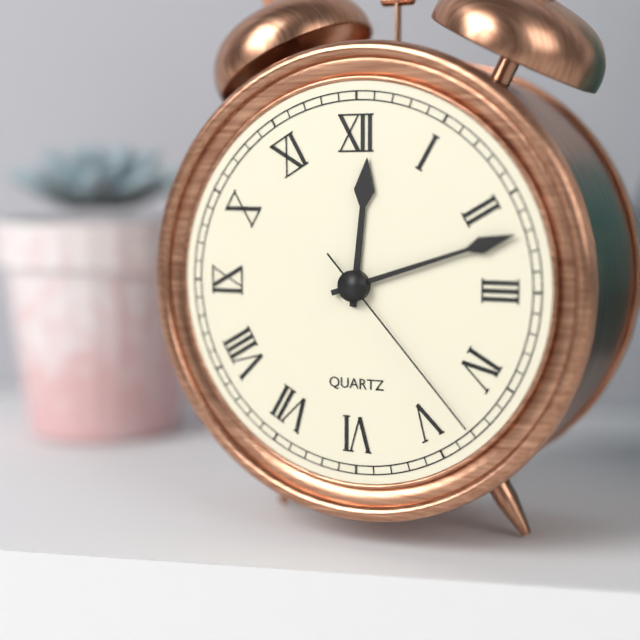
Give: 12:12:23
